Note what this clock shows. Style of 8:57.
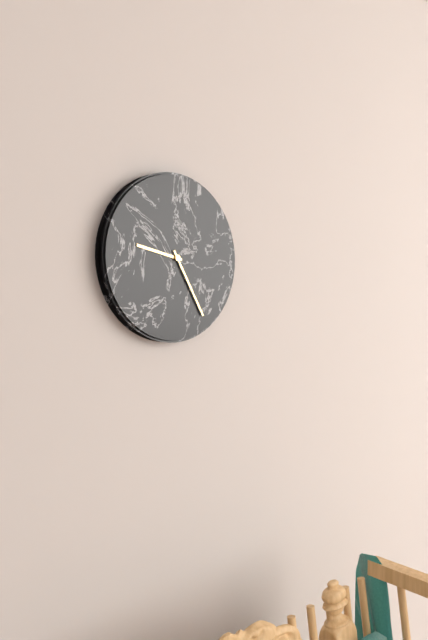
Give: 9:25
